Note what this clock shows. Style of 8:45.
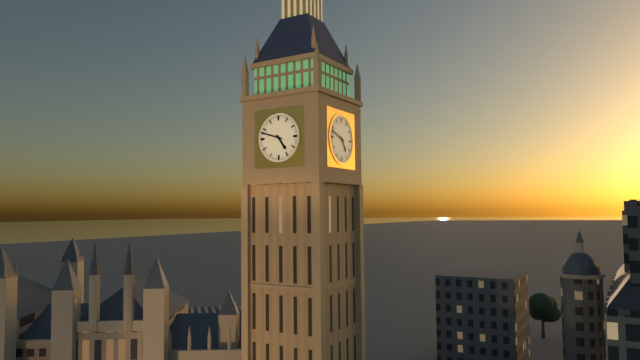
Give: 4:48
